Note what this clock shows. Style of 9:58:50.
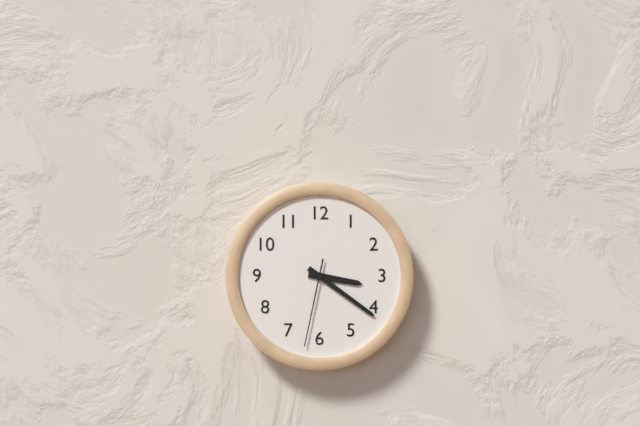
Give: 3:21:32
